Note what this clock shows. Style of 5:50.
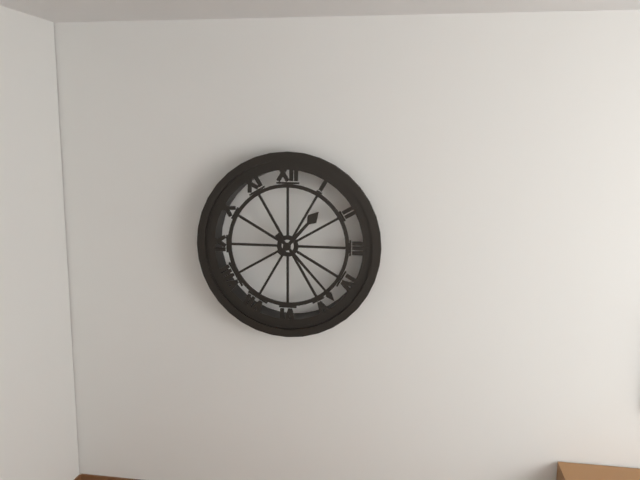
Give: 1:23
